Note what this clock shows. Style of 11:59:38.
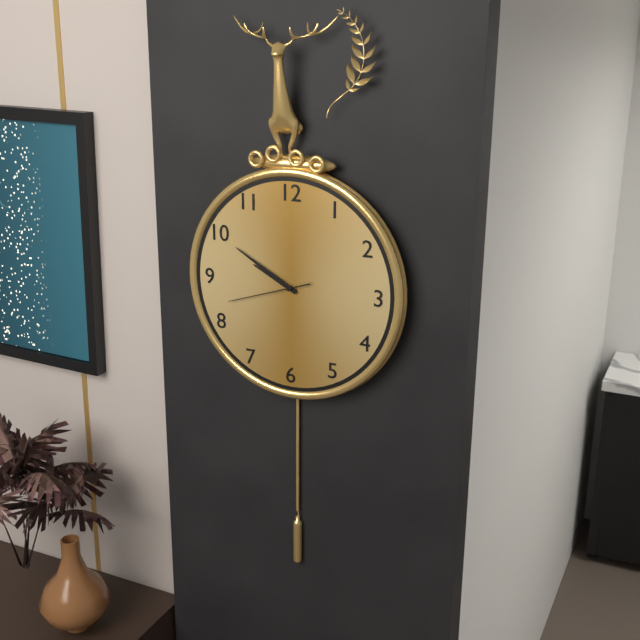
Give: 9:50:42
